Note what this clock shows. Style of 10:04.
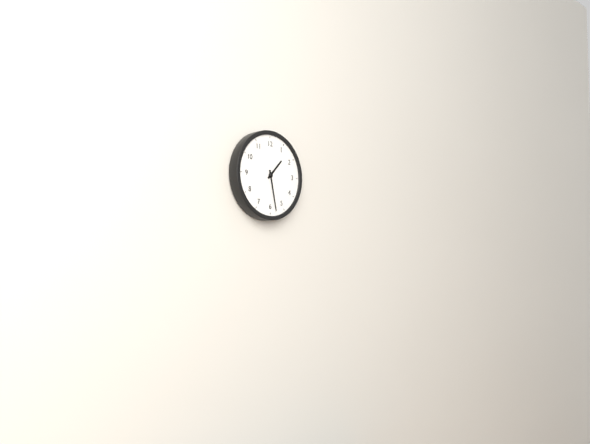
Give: 1:28
